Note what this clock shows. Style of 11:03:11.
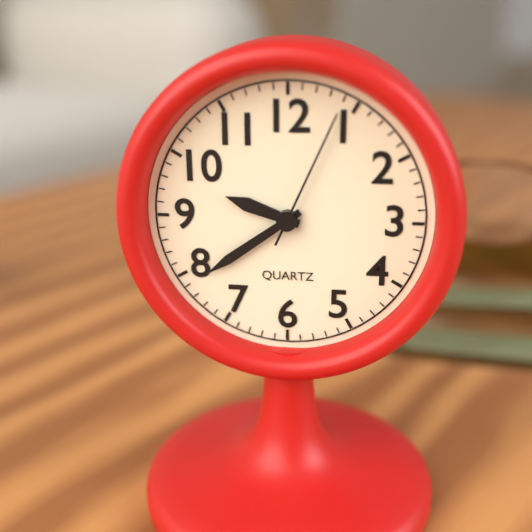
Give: 9:39:04
